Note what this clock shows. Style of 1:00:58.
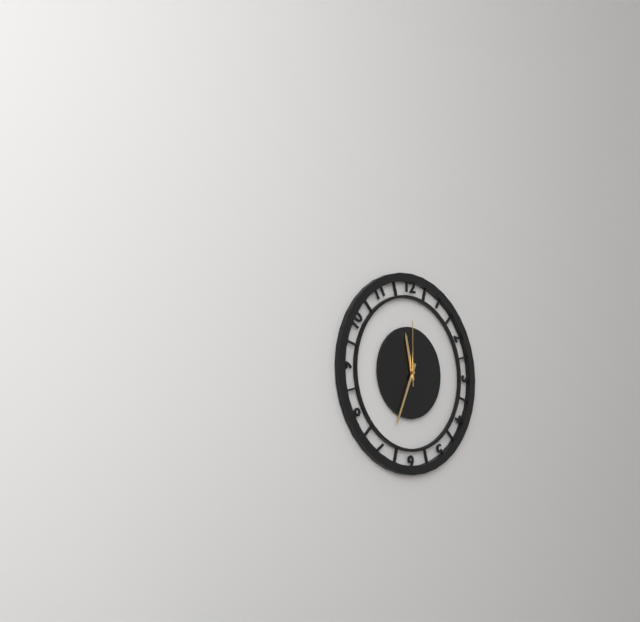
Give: 11:34:00
